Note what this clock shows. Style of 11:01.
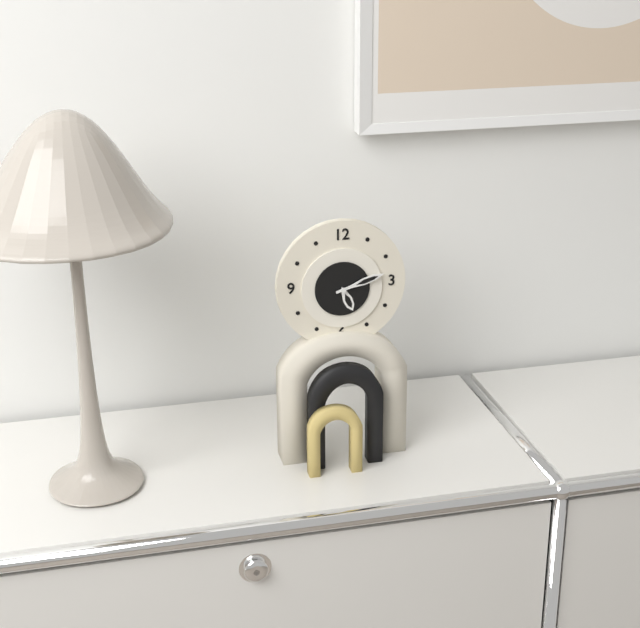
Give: 5:12
